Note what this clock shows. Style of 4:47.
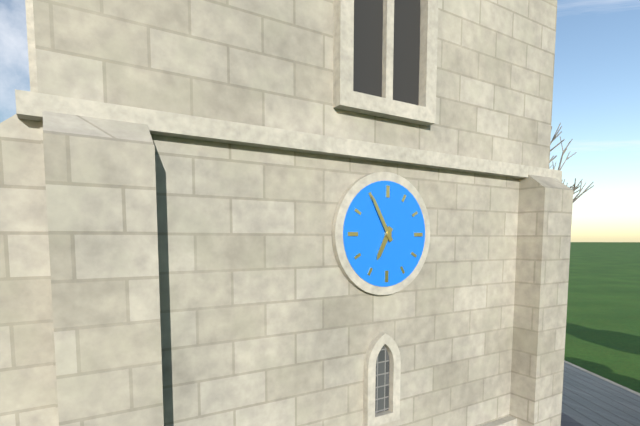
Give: 6:55
